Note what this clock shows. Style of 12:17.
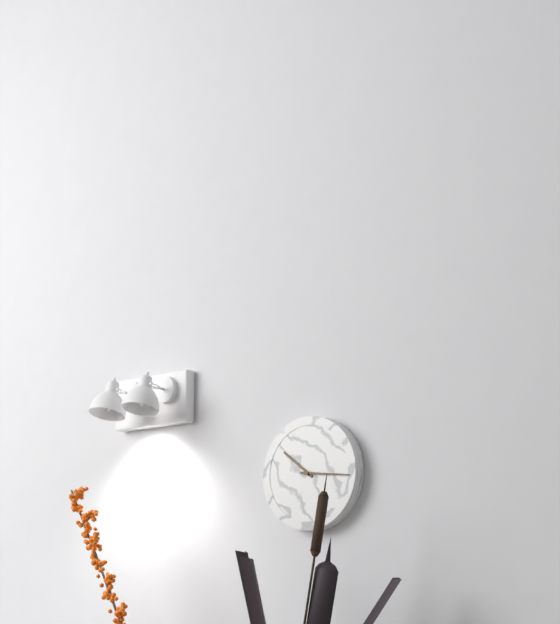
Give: 10:16
